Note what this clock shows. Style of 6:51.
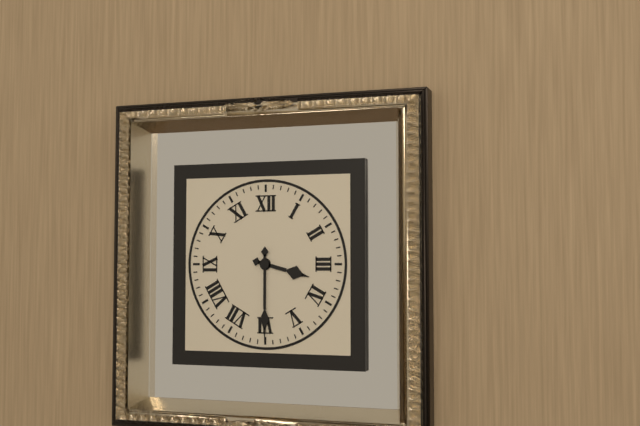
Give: 3:30
